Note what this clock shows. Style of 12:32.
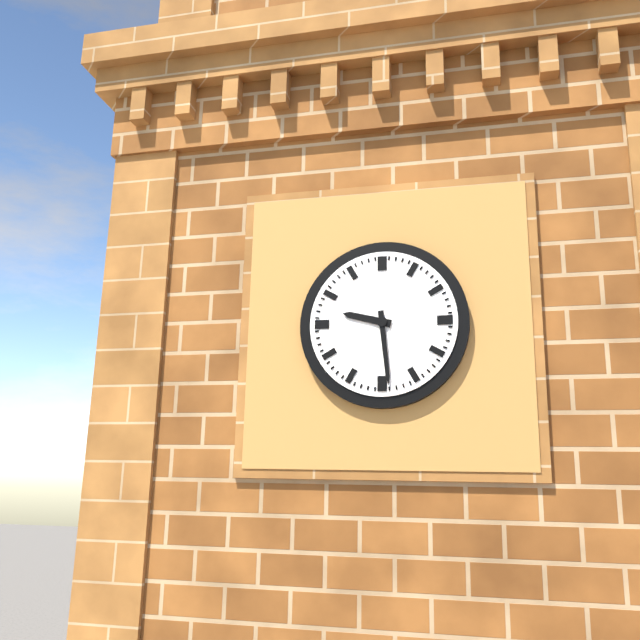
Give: 9:29
